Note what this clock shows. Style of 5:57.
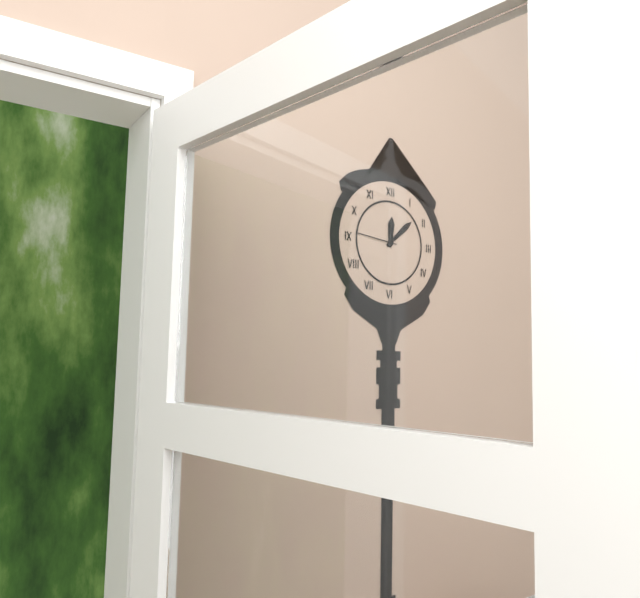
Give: 12:08
